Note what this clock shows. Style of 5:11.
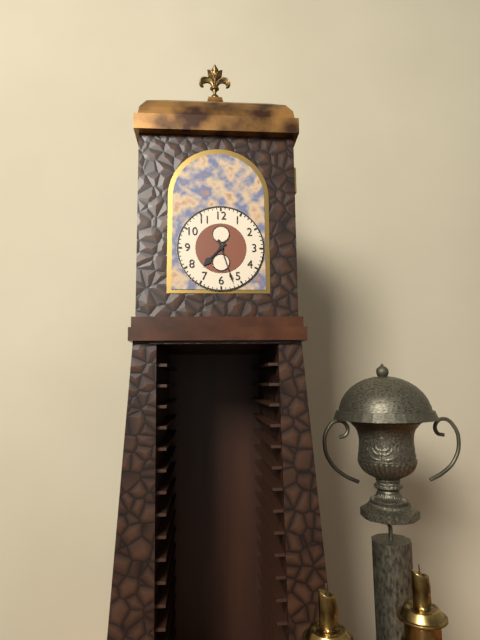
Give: 7:27
